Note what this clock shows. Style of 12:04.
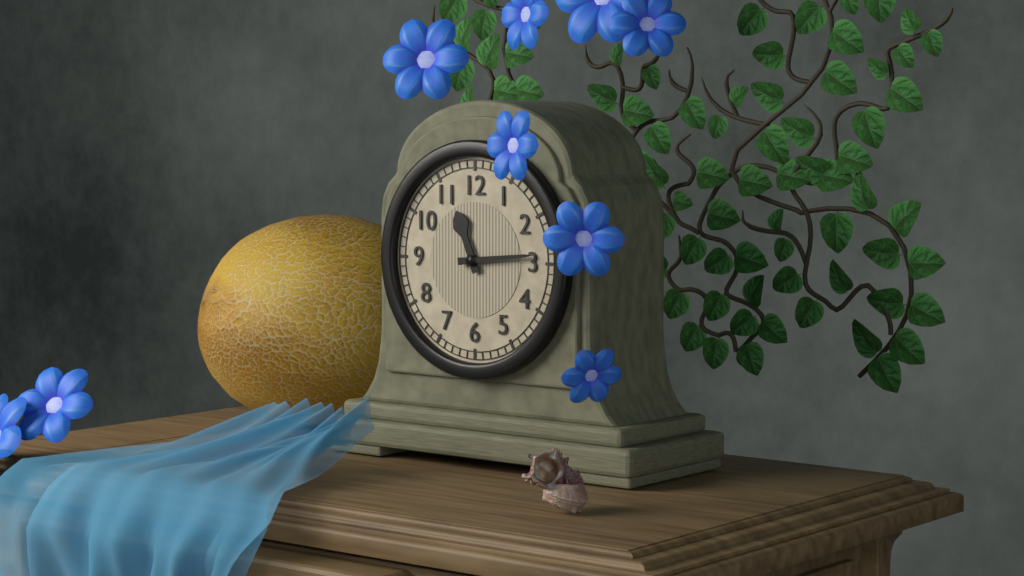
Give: 11:14
